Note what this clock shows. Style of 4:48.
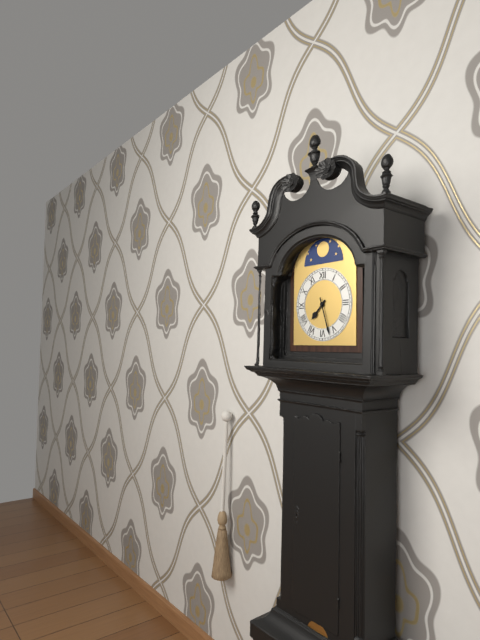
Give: 7:27
